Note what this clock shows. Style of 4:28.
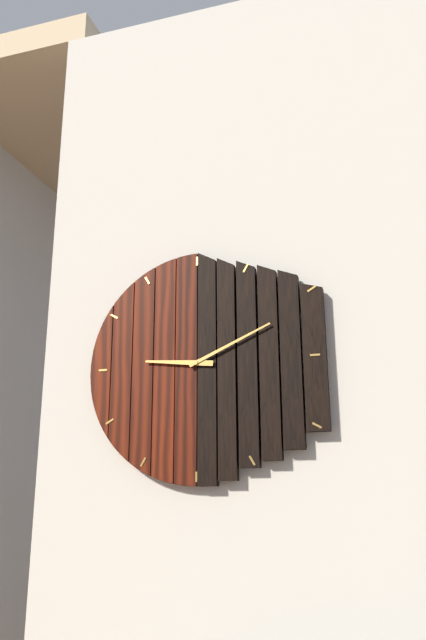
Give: 9:11
